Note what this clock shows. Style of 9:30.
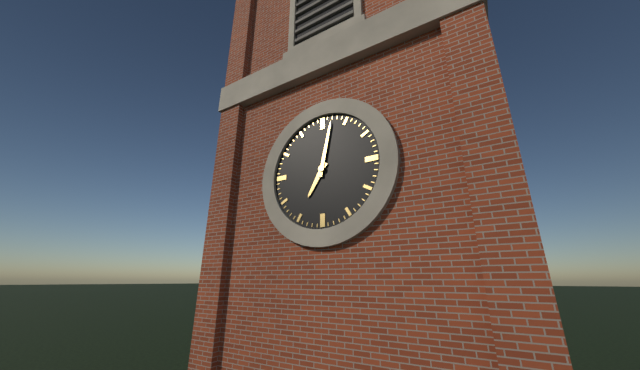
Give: 7:02
